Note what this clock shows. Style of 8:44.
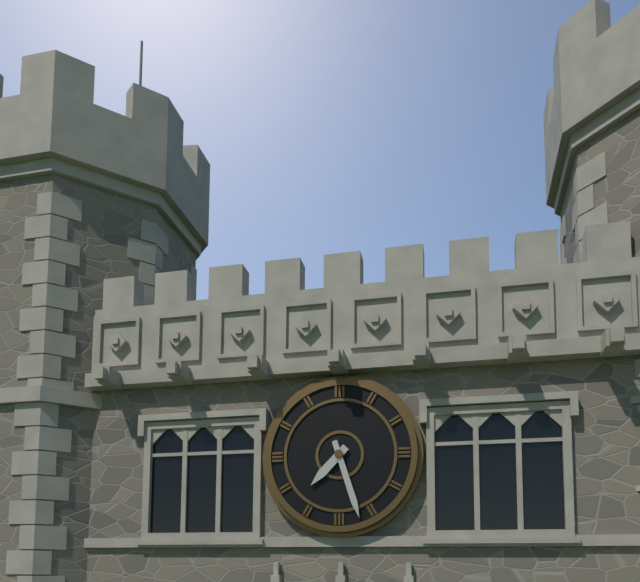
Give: 7:27
